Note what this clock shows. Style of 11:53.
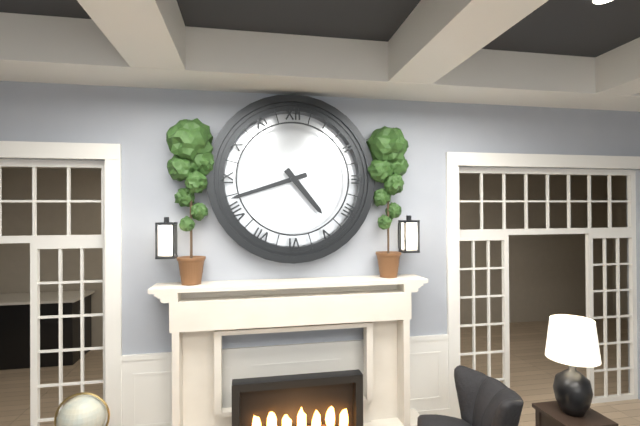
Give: 4:42
